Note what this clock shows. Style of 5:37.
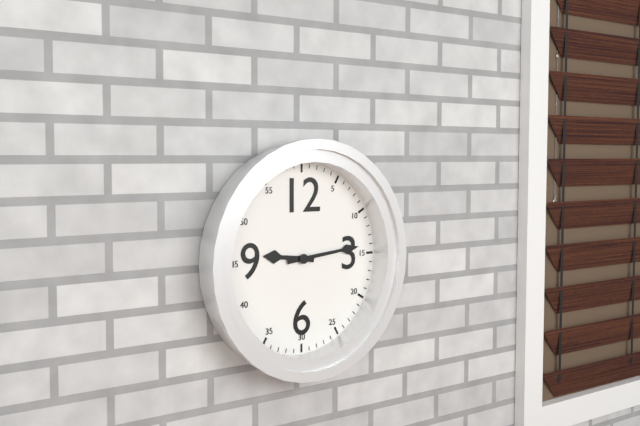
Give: 9:14
